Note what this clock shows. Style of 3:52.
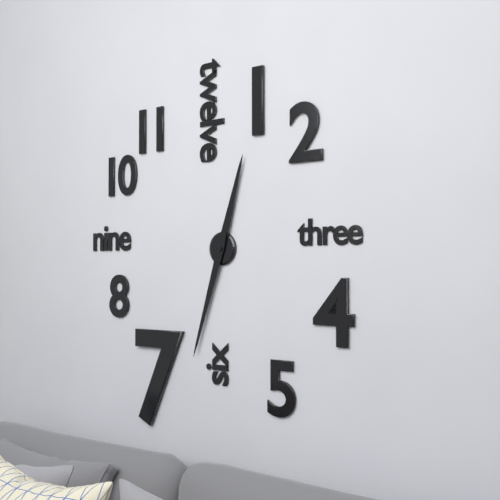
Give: 12:33
